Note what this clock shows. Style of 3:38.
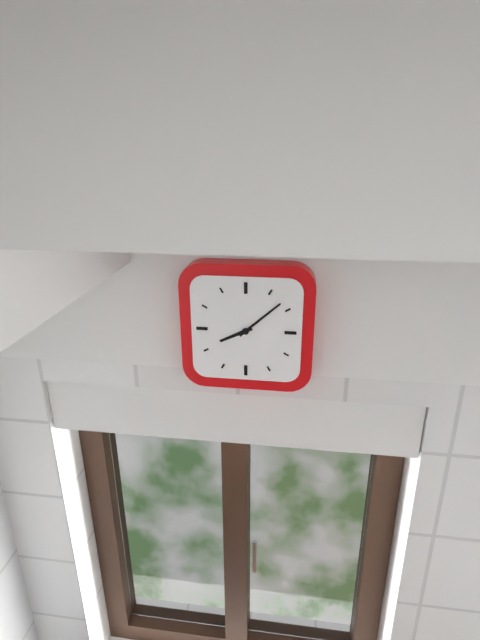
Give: 8:08
